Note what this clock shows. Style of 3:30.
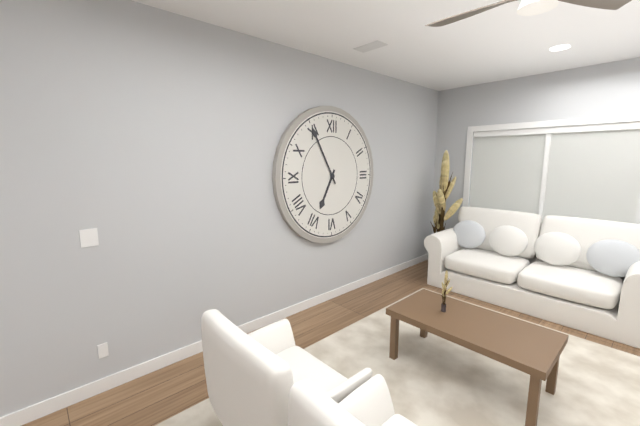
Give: 6:55
